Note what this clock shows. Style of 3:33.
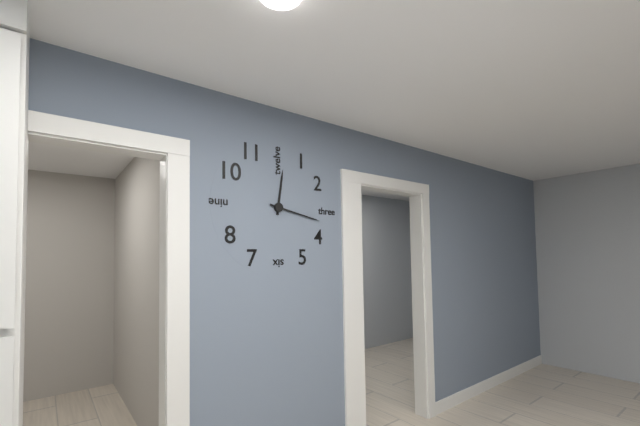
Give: 12:17
